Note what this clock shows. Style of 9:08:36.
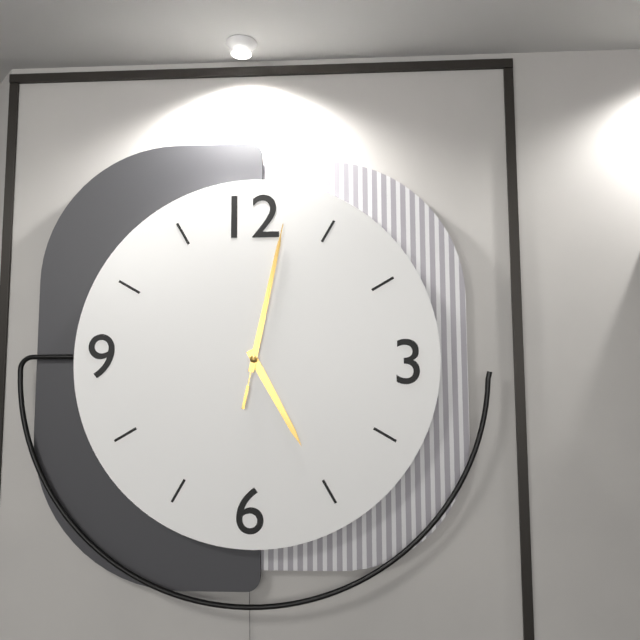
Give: 5:02:02
